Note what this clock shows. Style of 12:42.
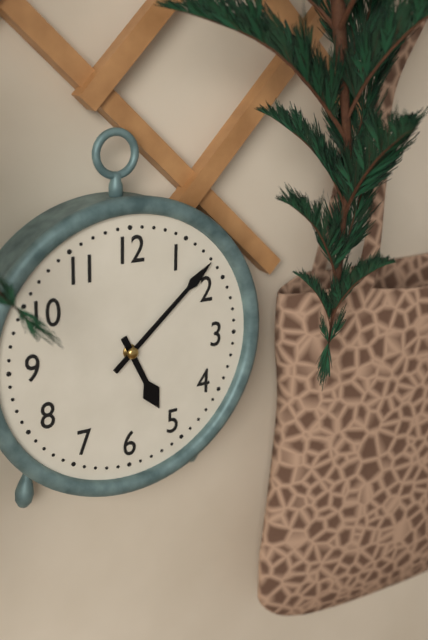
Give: 5:08
